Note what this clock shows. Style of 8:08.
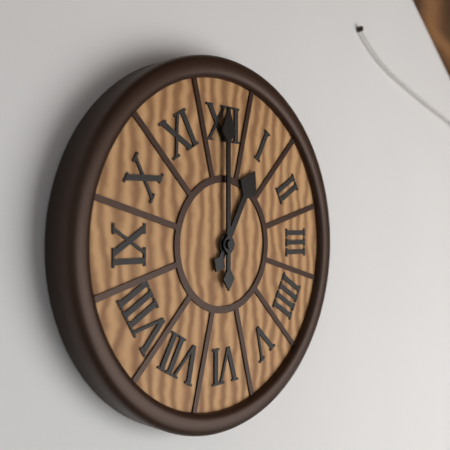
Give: 1:00
